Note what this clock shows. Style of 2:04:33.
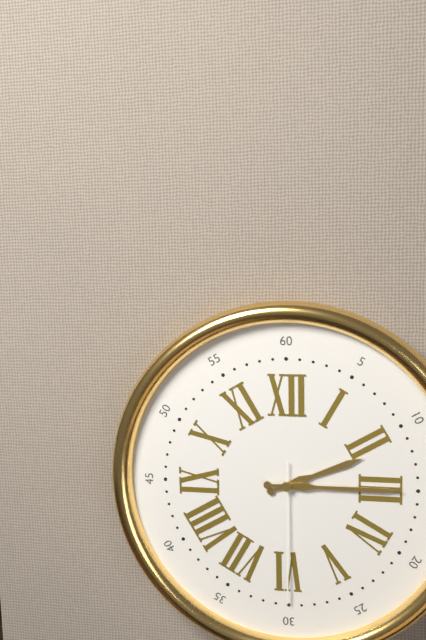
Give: 2:15:30
